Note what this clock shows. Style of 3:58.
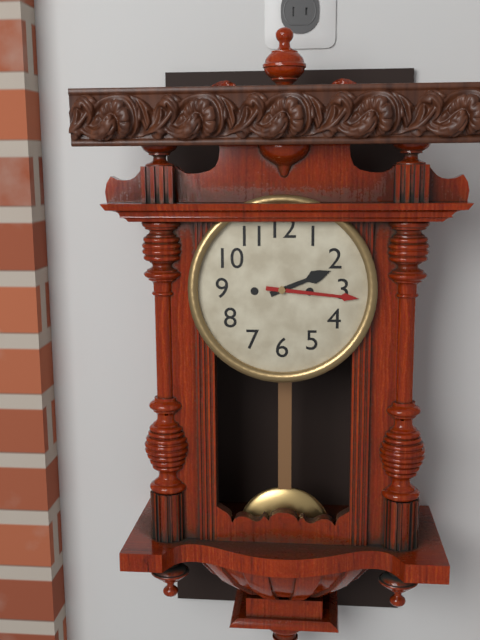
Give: 2:16
